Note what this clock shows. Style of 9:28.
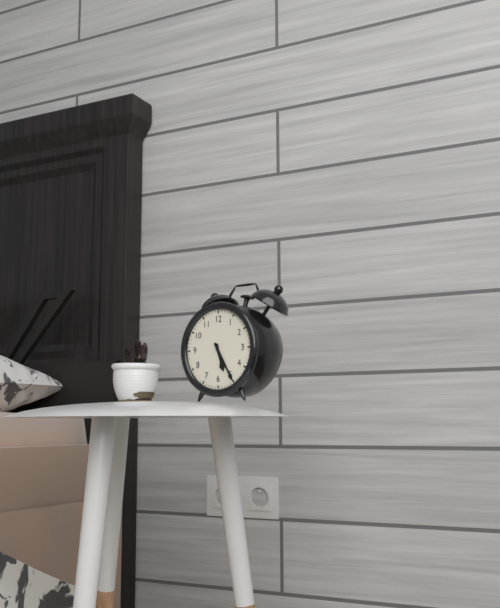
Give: 5:25
